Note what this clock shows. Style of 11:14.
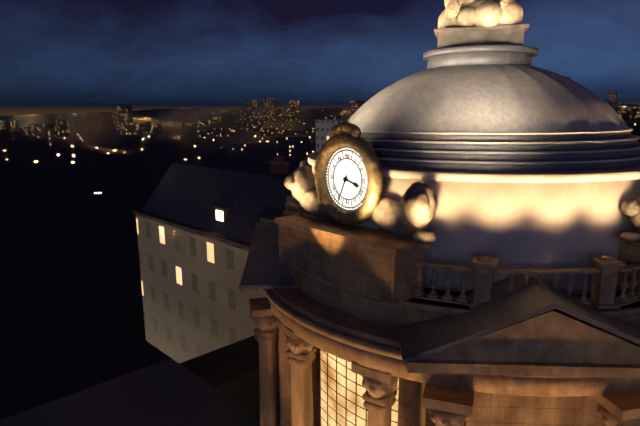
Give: 3:34
